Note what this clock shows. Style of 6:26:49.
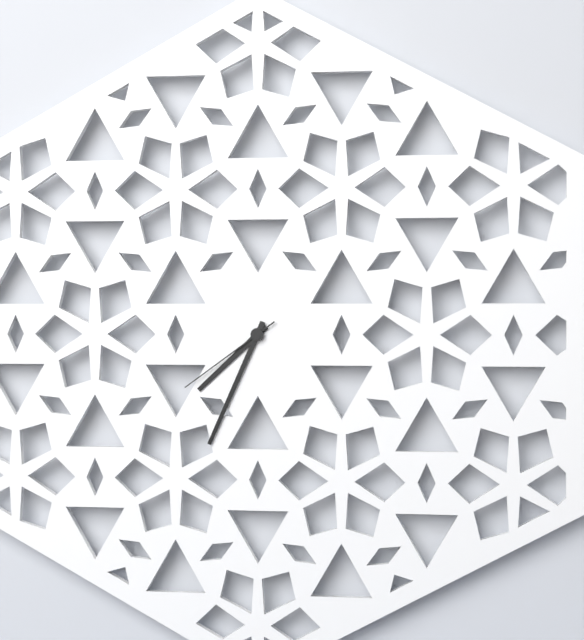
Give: 7:34:39
